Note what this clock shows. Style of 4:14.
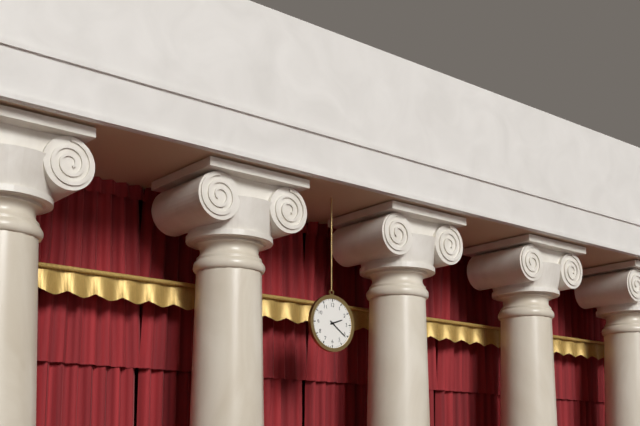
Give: 2:21
